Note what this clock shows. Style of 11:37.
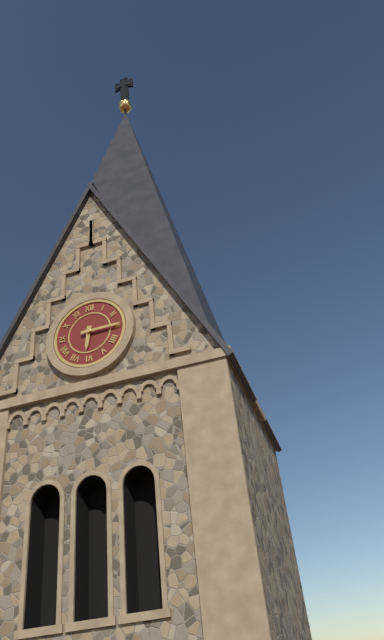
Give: 6:15
